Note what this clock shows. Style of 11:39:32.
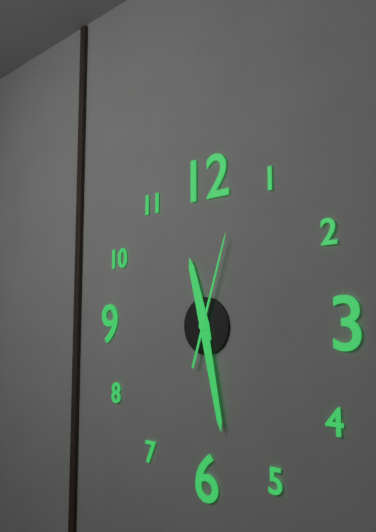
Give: 11:28:03
